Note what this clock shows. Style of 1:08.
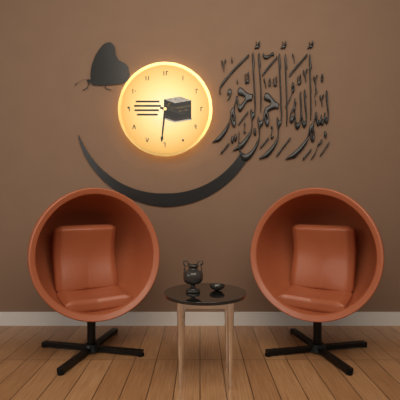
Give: 3:31
